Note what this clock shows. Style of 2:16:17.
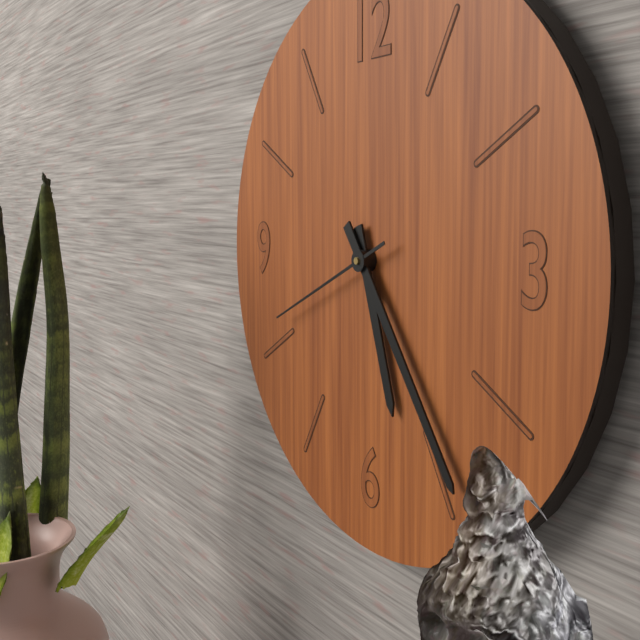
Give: 5:24:41
